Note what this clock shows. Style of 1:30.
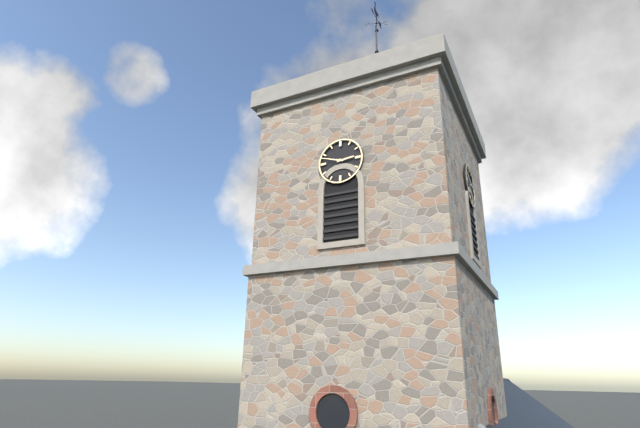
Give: 2:48
